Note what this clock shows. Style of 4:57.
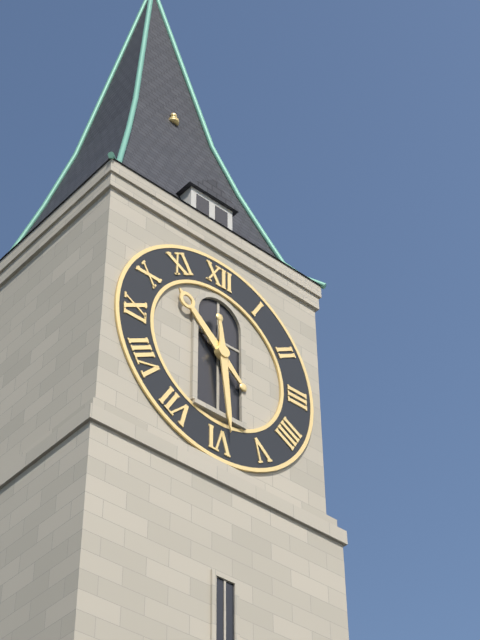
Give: 10:29
